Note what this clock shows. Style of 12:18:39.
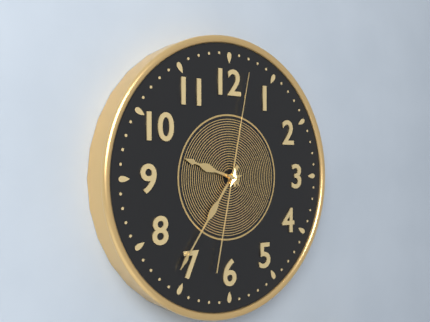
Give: 9:36:02
